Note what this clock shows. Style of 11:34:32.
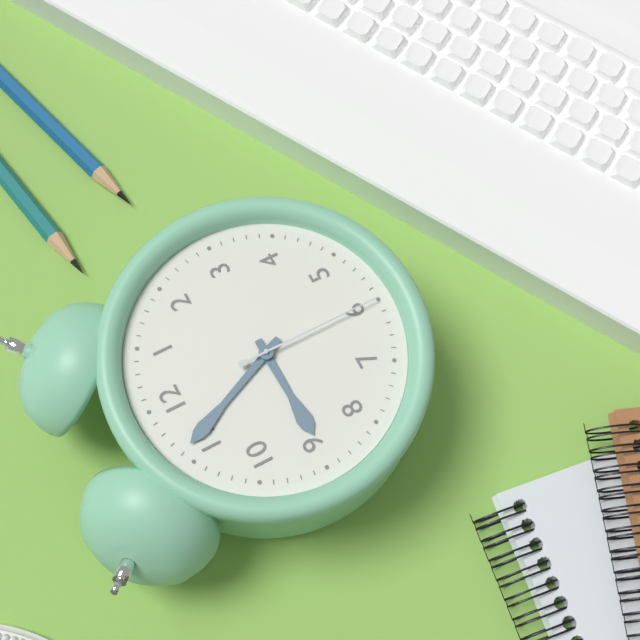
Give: 8:56:30
